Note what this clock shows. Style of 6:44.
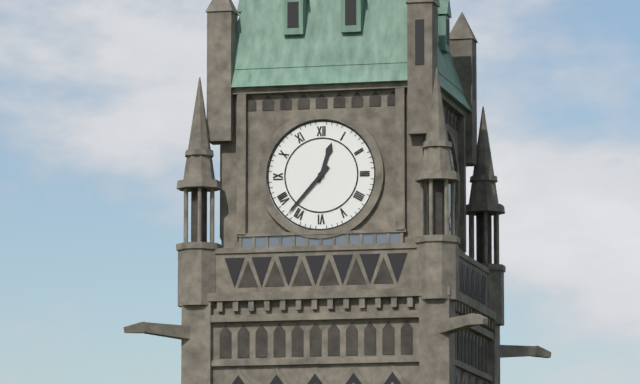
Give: 12:37
